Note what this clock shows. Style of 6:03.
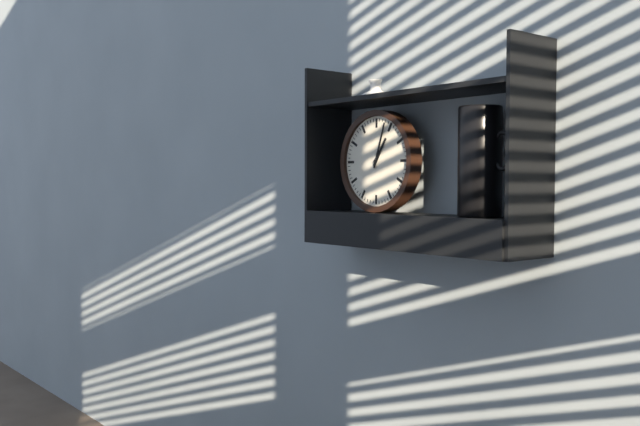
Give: 1:03
